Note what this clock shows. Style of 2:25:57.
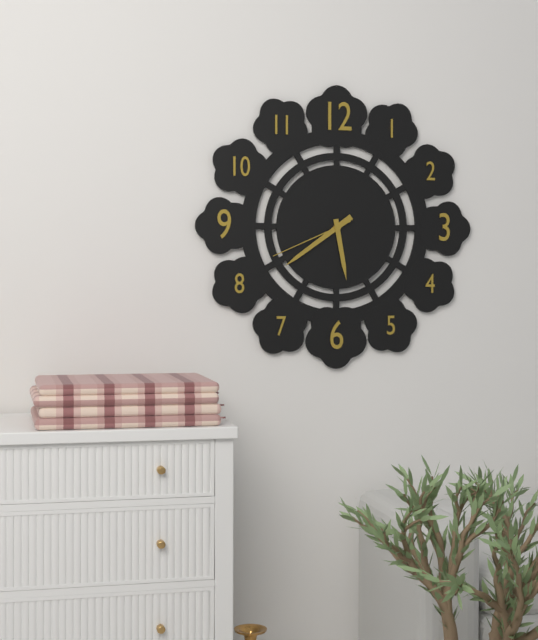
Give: 5:39:41
